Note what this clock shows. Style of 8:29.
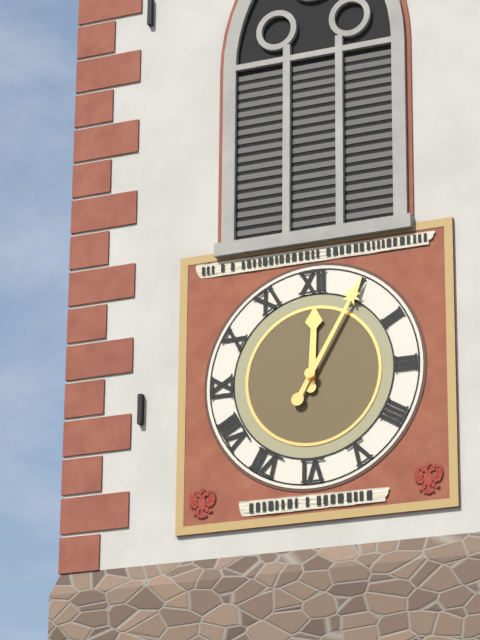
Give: 12:05
